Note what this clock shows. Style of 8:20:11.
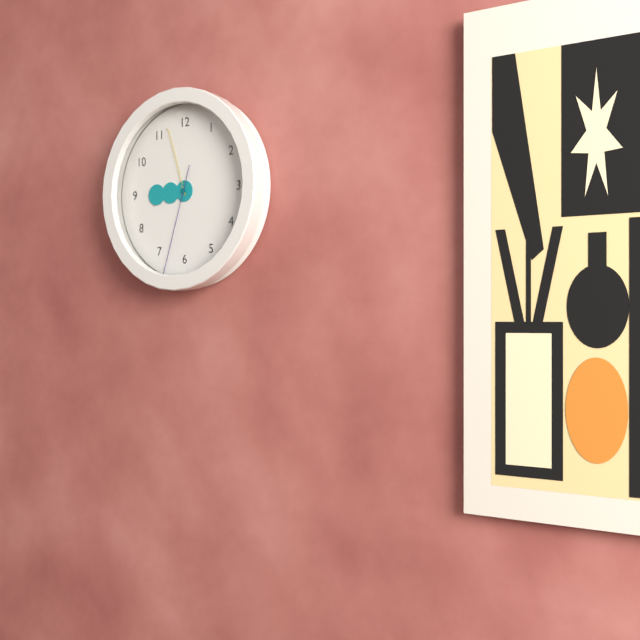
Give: 8:57:33
